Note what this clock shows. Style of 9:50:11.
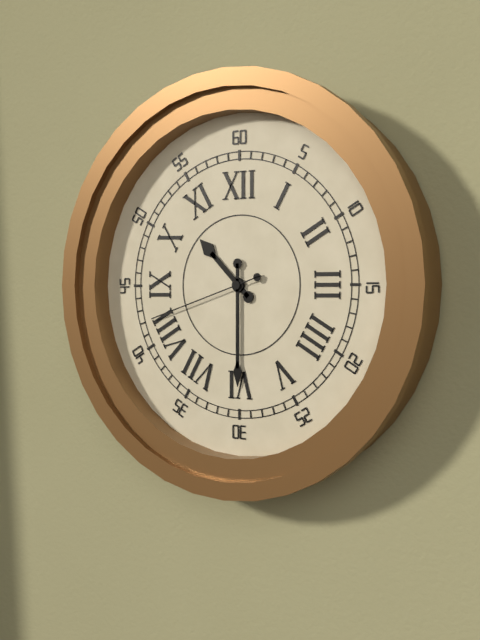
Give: 10:30:42
